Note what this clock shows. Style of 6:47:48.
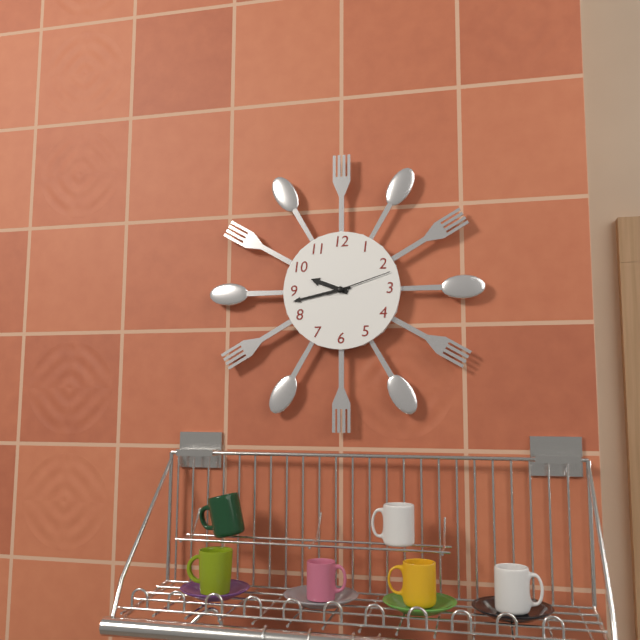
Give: 9:43:12
